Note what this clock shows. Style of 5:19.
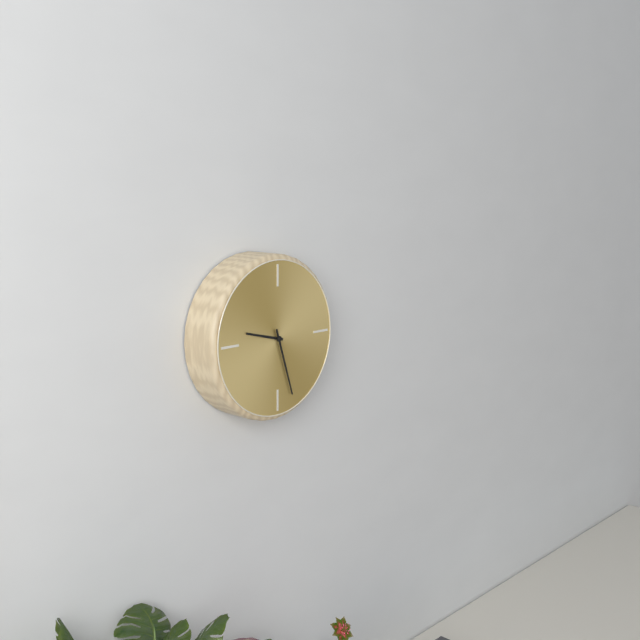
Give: 9:27
